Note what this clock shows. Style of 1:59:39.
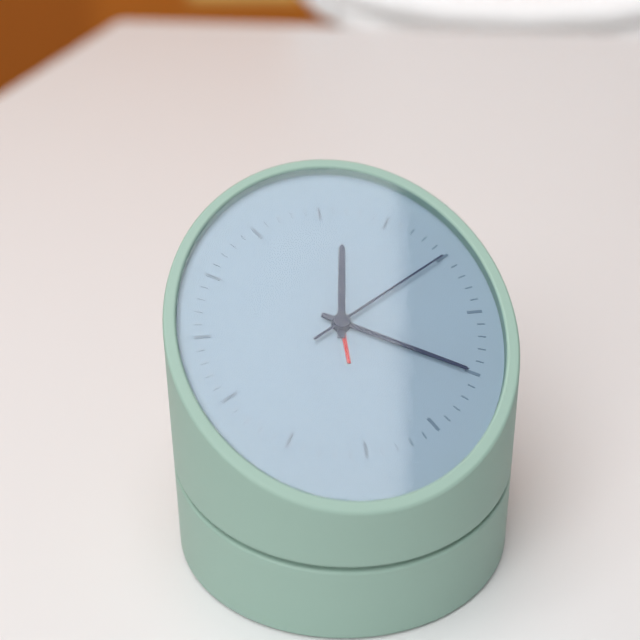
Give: 12:20:10
